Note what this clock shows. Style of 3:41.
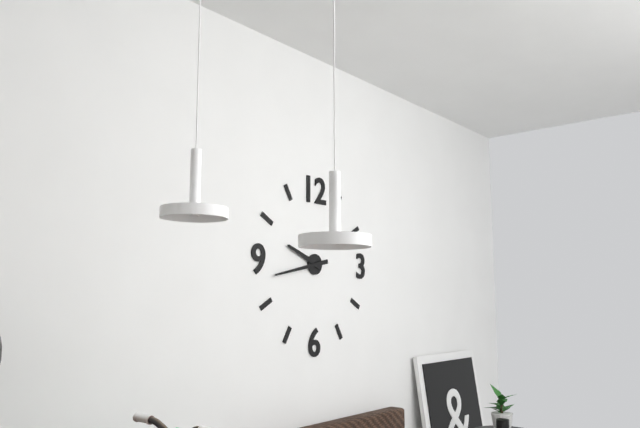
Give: 9:43
